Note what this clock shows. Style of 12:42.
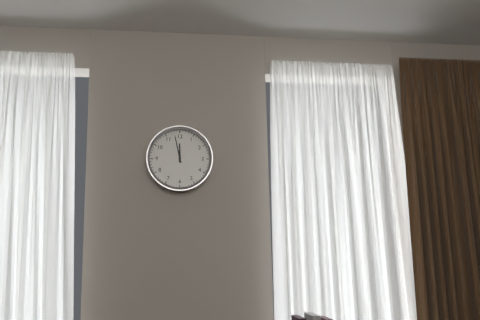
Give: 11:58
